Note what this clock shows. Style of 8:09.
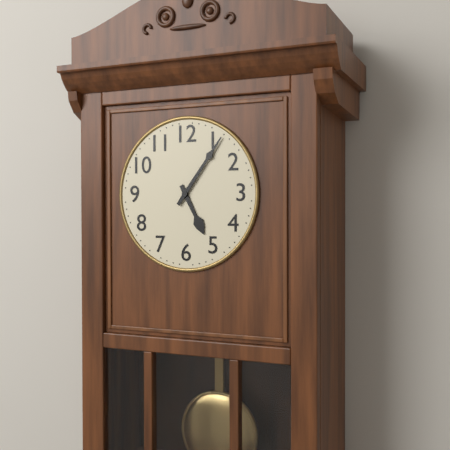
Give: 5:06
